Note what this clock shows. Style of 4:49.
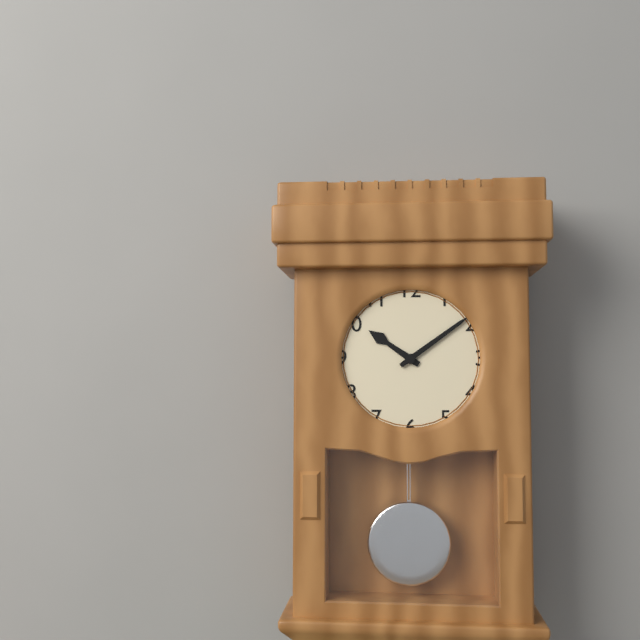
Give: 10:09
